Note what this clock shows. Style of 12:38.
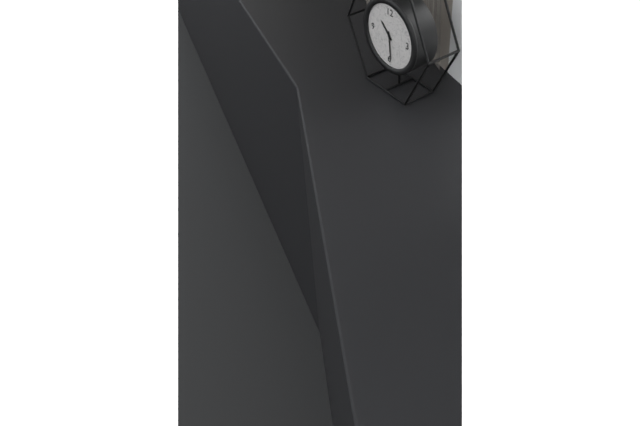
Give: 10:29
